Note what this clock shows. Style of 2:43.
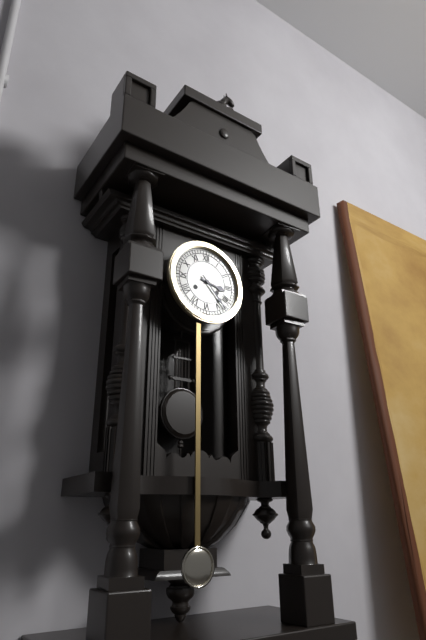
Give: 3:23
